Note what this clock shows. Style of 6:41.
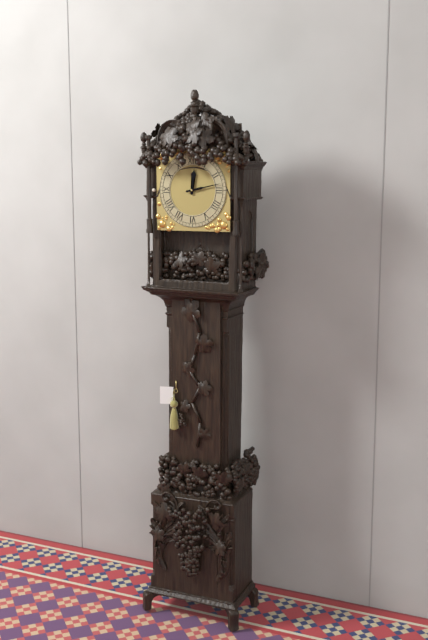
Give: 12:13
